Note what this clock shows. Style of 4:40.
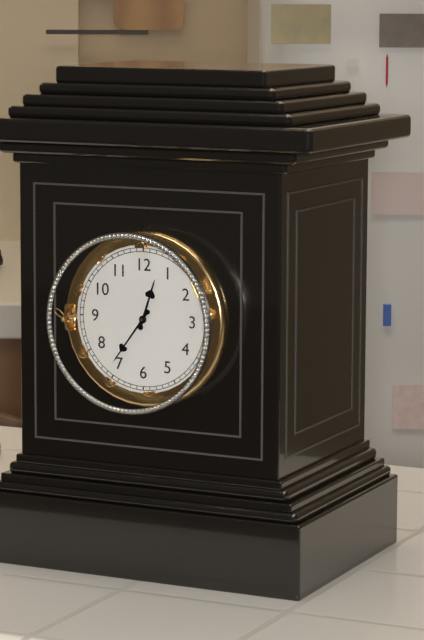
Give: 12:36
